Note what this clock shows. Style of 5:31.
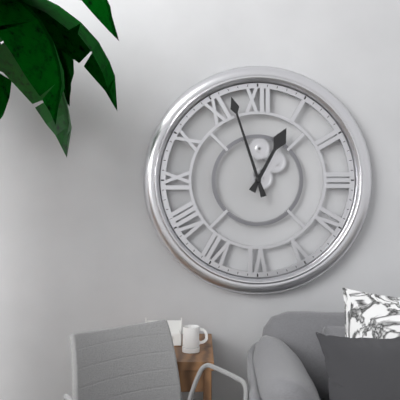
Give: 12:57
